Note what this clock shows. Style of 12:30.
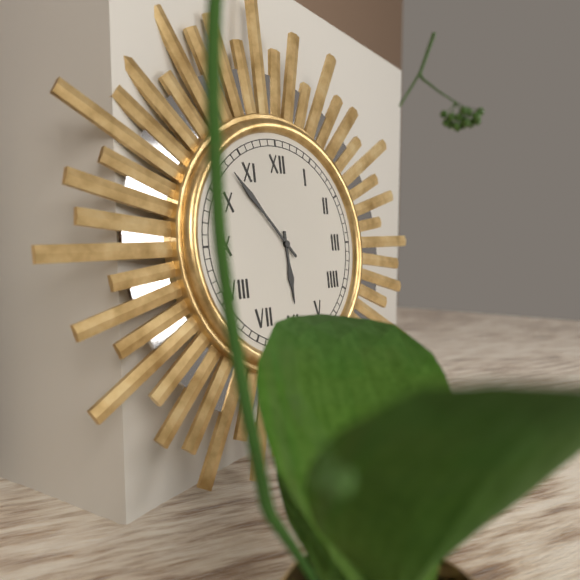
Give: 5:53
